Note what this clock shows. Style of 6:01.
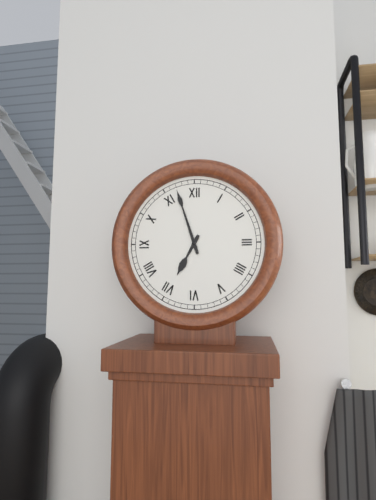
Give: 6:57
